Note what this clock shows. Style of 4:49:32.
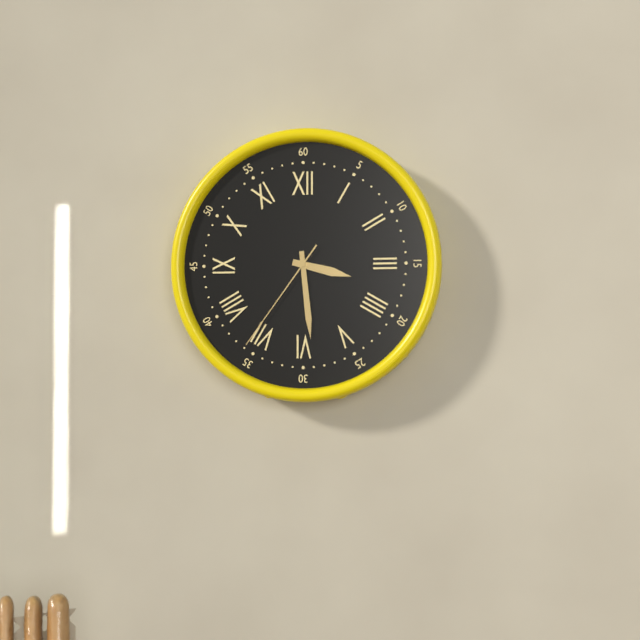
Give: 3:29:36
